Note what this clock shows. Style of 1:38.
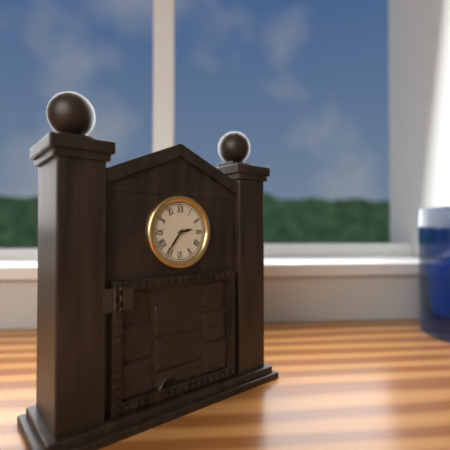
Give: 2:36
